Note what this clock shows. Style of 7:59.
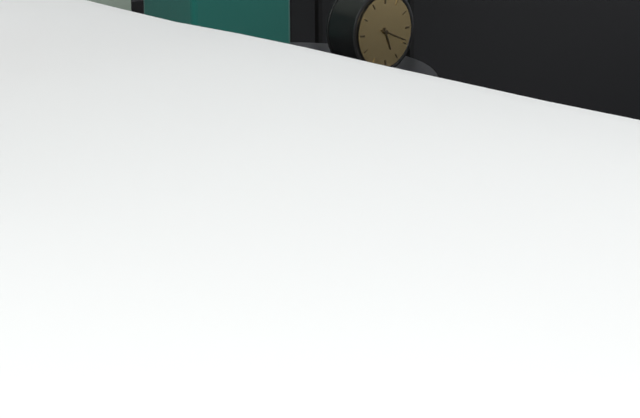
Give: 5:19
